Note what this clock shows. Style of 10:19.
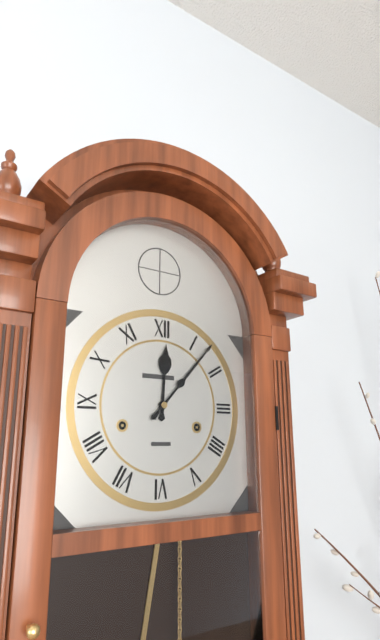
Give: 12:07
